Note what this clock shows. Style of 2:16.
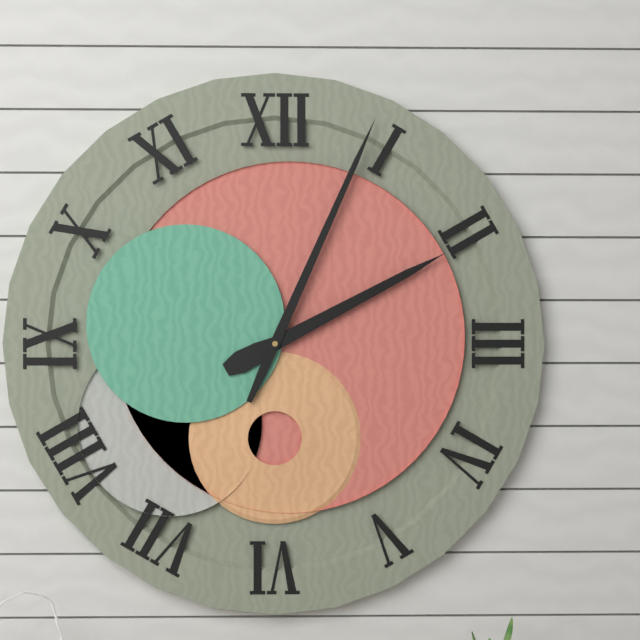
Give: 2:04
